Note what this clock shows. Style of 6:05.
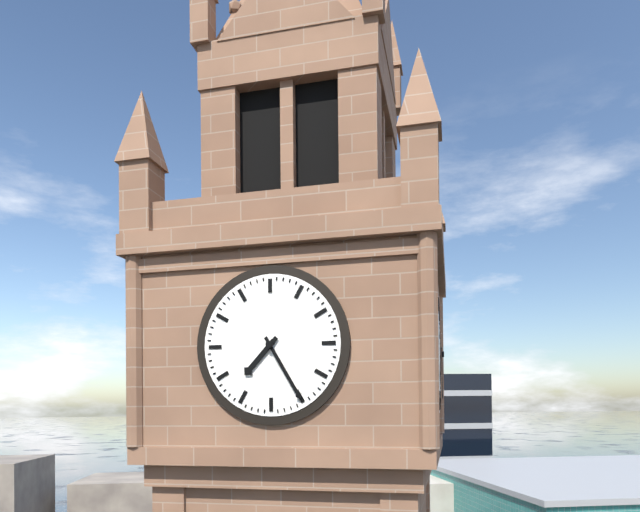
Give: 7:25
